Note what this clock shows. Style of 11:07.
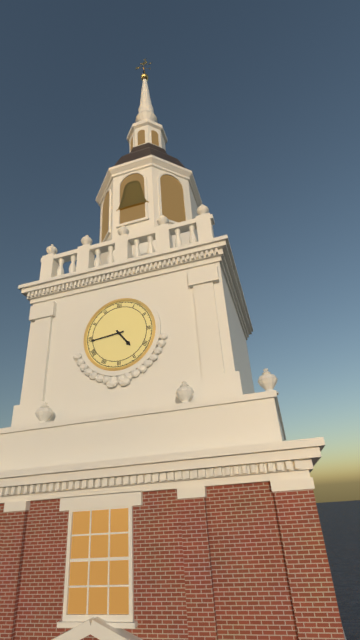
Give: 4:44
